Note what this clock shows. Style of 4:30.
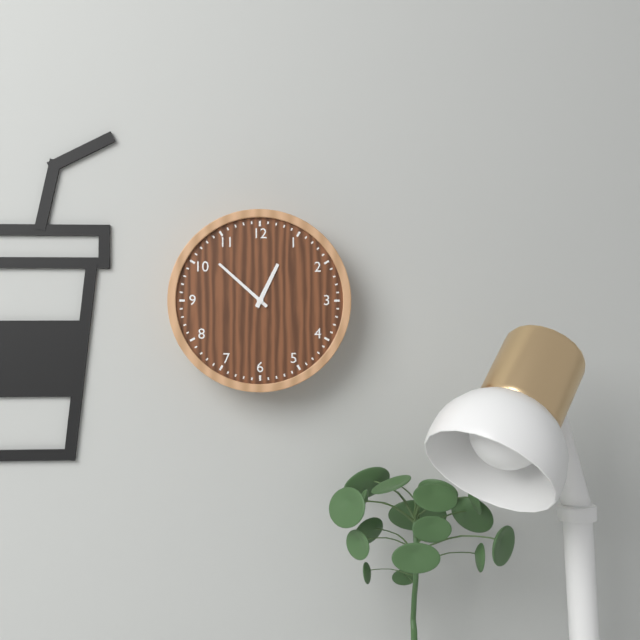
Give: 12:52
